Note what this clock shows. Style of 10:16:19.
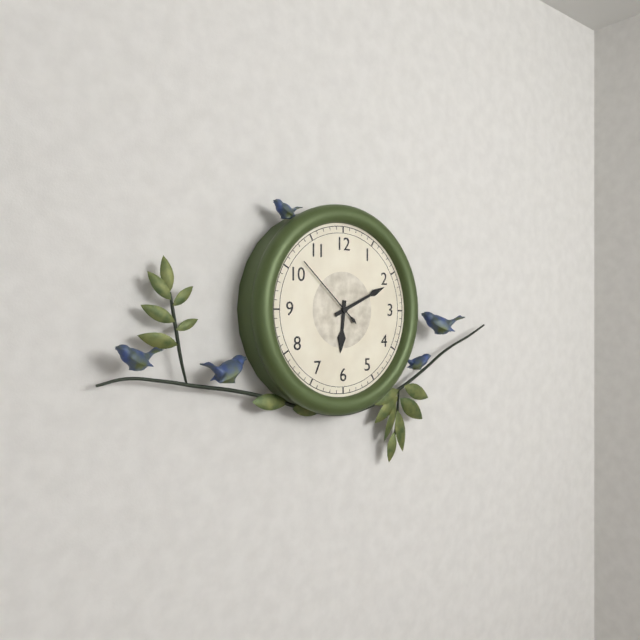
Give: 6:11:52
